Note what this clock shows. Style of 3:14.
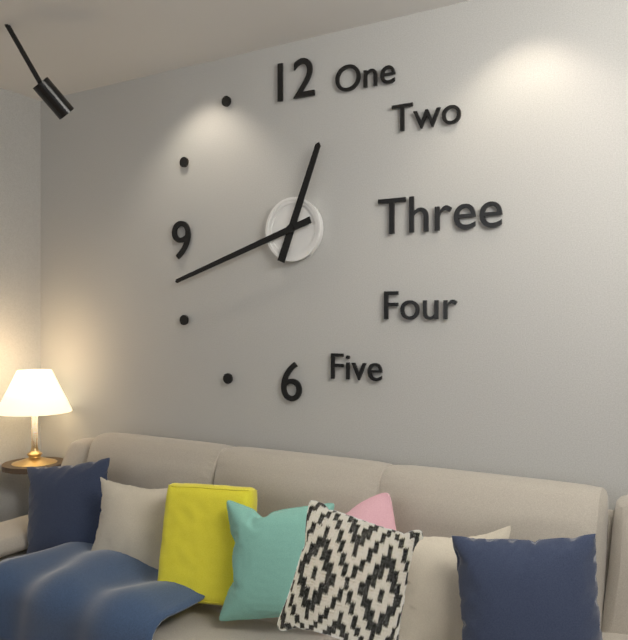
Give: 12:42
